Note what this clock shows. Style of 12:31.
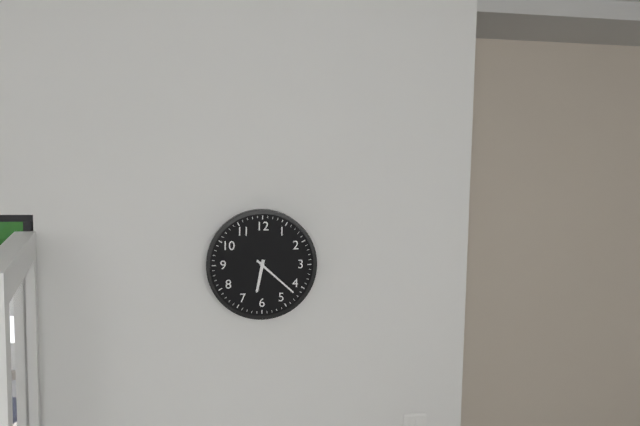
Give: 6:22
